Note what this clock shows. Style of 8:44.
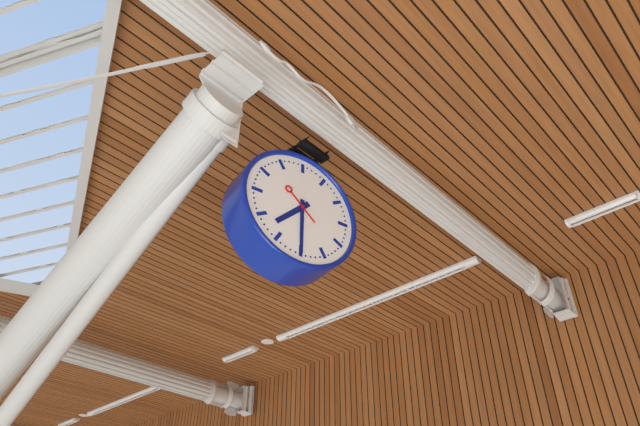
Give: 7:30
